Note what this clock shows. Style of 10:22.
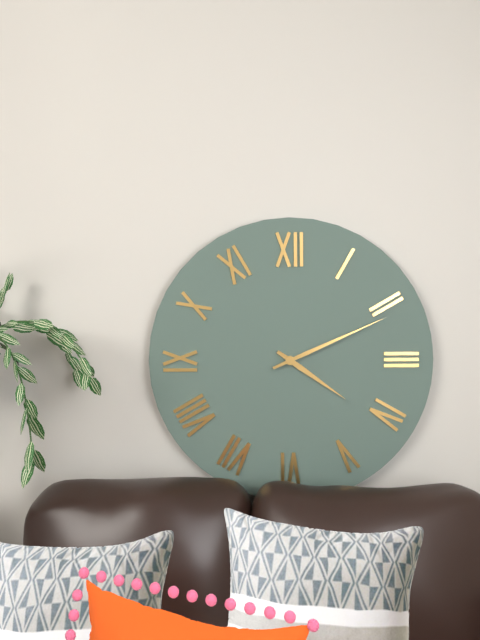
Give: 4:11
